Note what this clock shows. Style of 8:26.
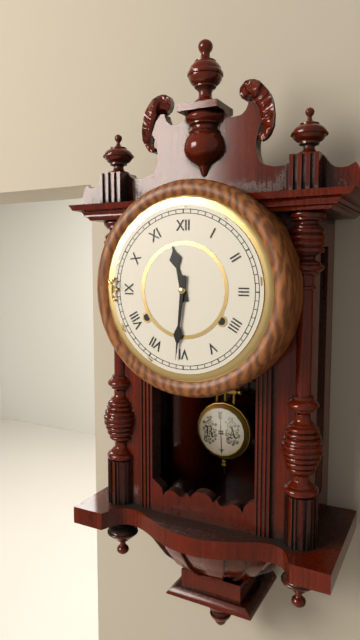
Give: 11:31
